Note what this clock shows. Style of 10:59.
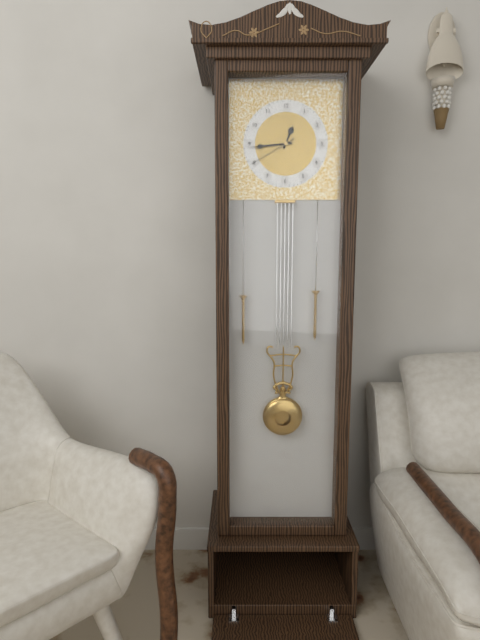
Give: 12:44
